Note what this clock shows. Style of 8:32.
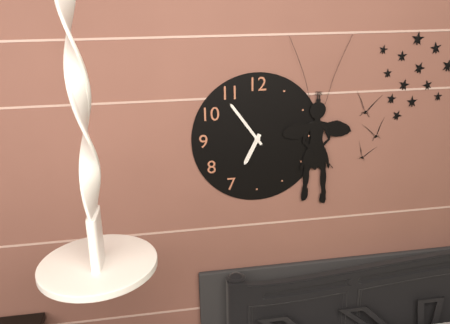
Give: 6:54
